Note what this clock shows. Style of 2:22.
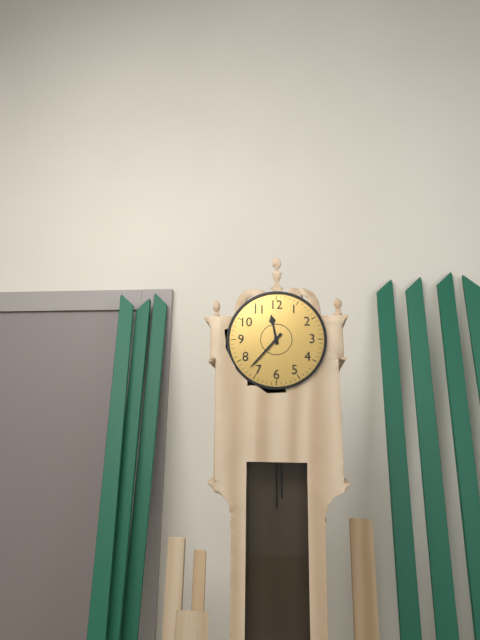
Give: 11:37
